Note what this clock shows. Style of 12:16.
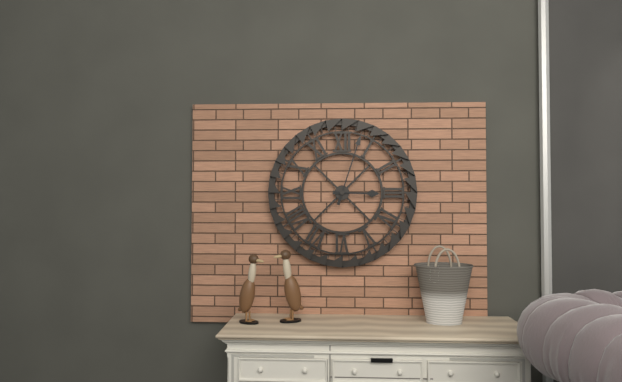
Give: 3:03
